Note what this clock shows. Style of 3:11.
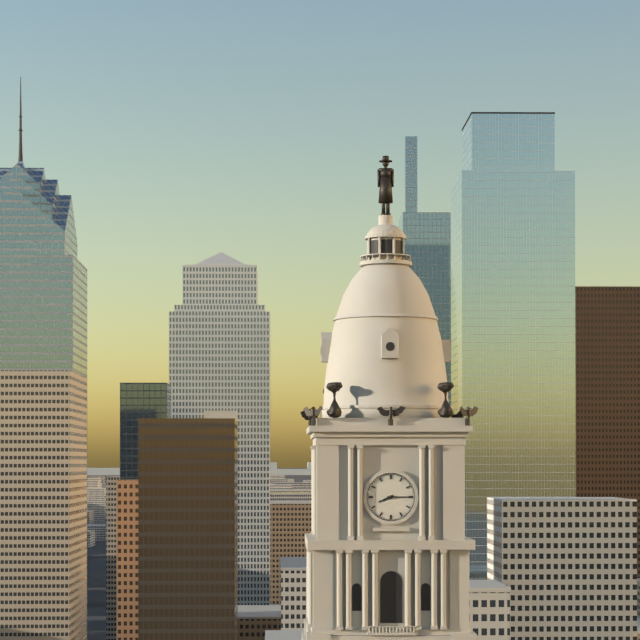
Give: 8:15
